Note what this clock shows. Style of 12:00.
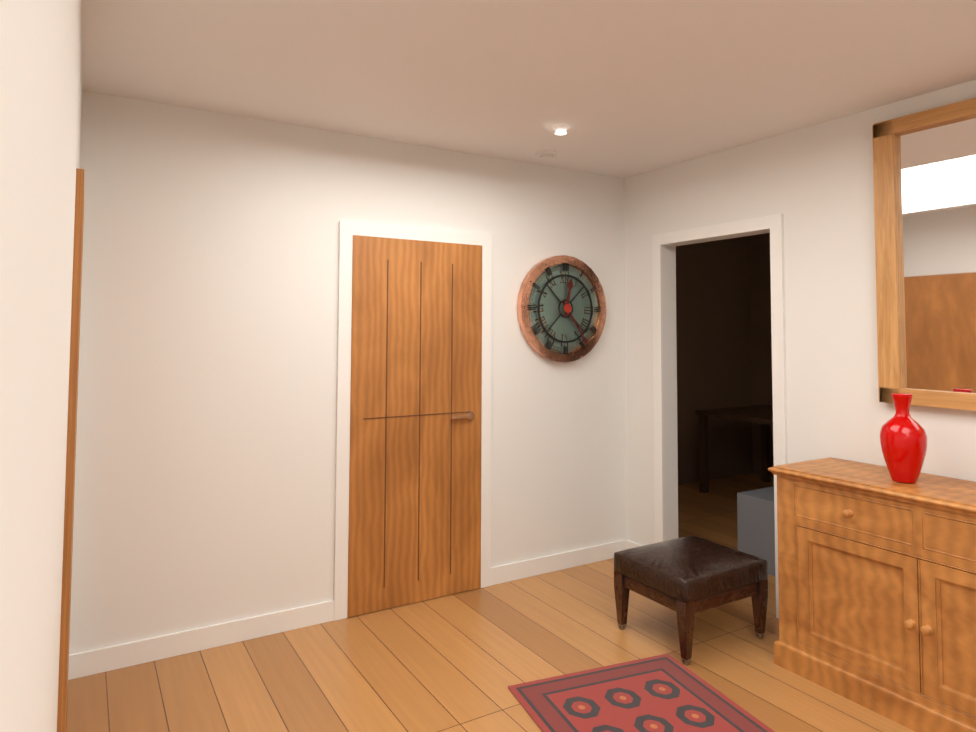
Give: 12:24
